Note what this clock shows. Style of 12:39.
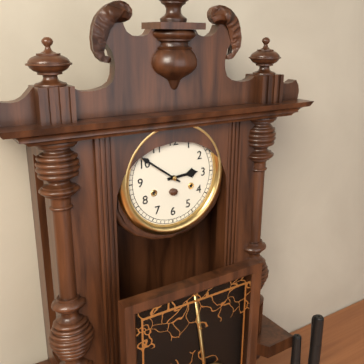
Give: 2:51
